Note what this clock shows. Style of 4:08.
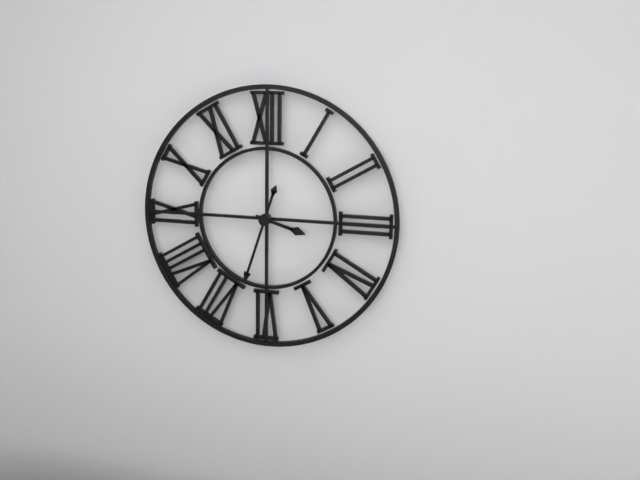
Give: 3:33
